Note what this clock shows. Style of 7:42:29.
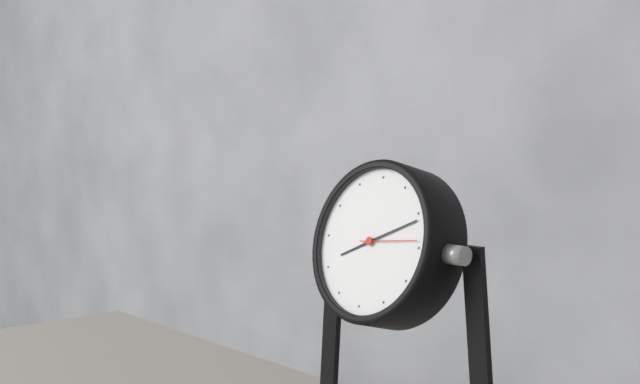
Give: 8:11:14
